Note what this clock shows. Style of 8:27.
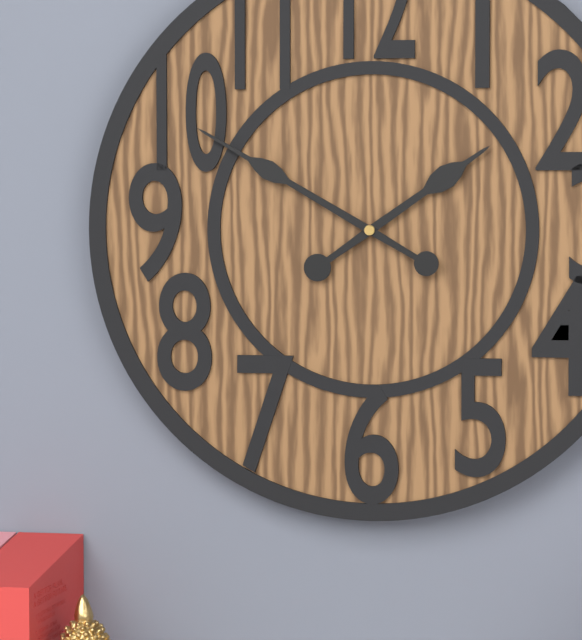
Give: 1:50
